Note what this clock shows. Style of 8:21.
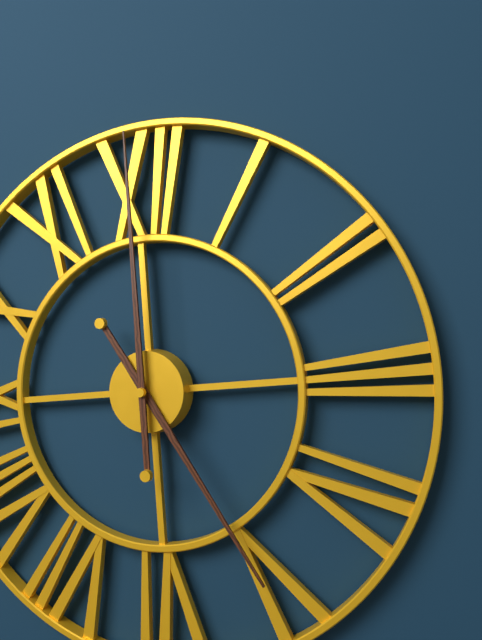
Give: 5:00
